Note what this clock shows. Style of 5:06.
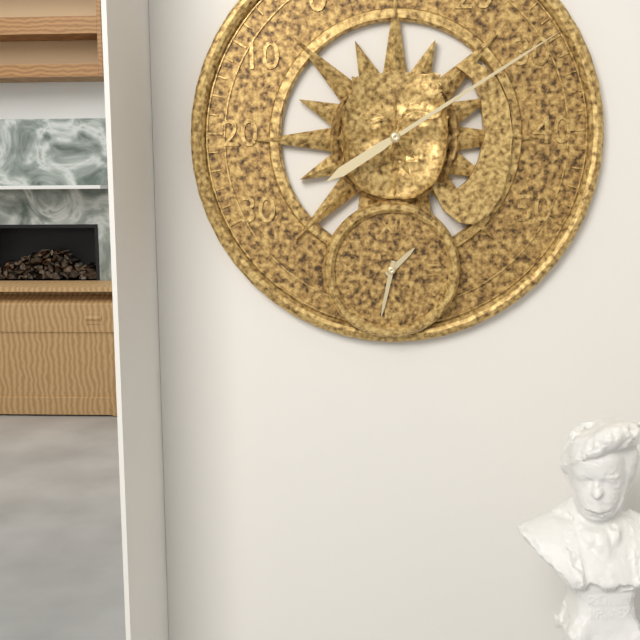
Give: 1:32
